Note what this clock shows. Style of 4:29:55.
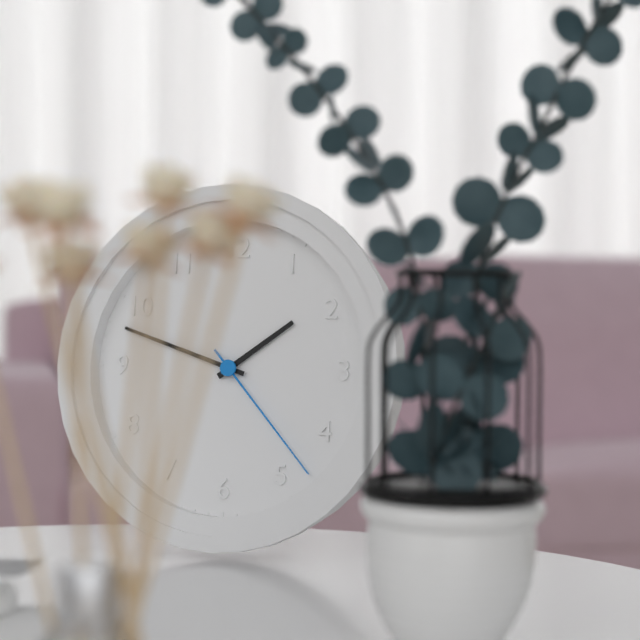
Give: 1:48:23
